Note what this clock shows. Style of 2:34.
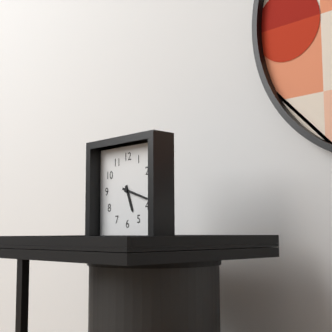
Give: 5:18
